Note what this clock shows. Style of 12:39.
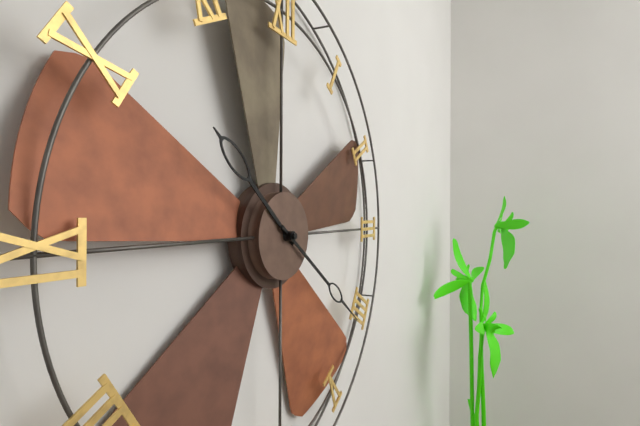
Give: 10:21
